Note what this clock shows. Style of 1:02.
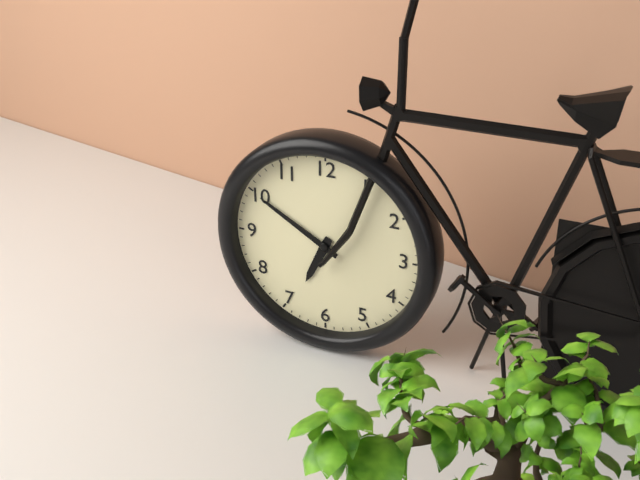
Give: 6:50
